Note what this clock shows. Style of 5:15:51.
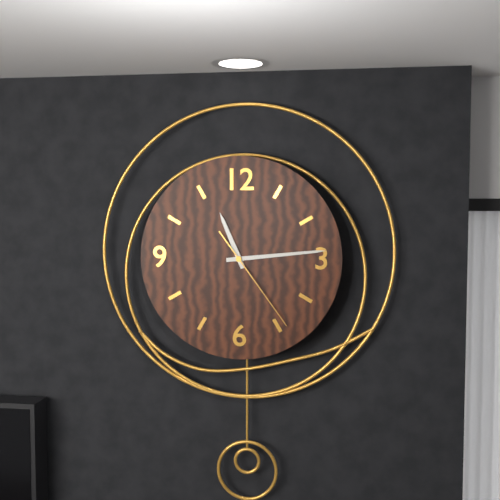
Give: 11:14:24
